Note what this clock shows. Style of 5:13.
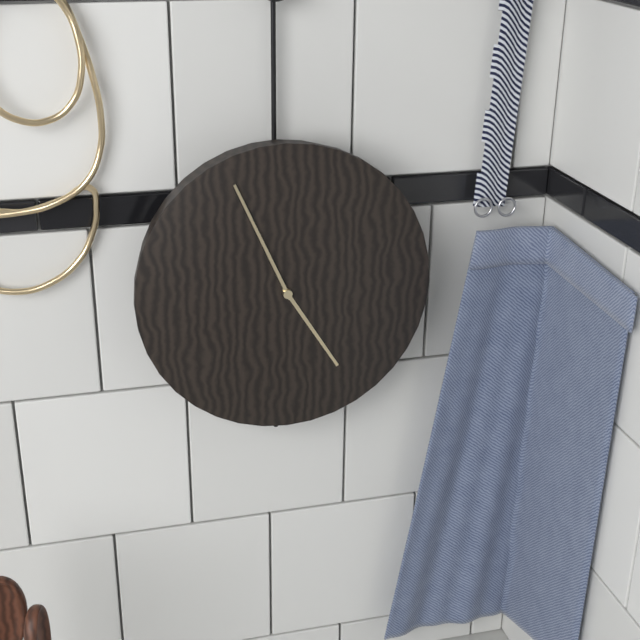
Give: 4:56
